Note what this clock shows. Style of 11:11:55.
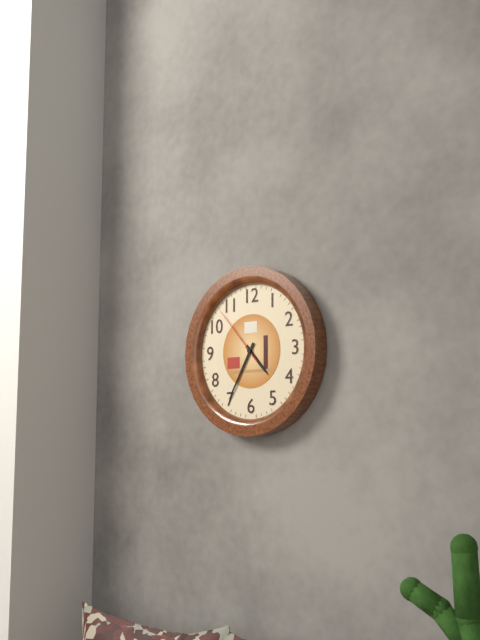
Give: 4:35:53
